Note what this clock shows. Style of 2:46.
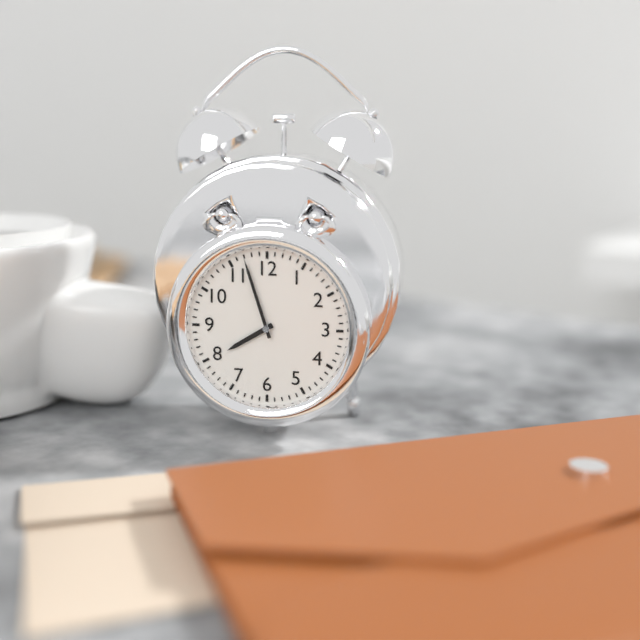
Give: 7:57
